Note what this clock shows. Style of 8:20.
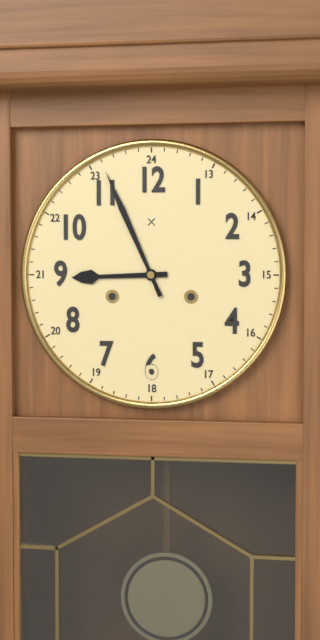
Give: 8:56
